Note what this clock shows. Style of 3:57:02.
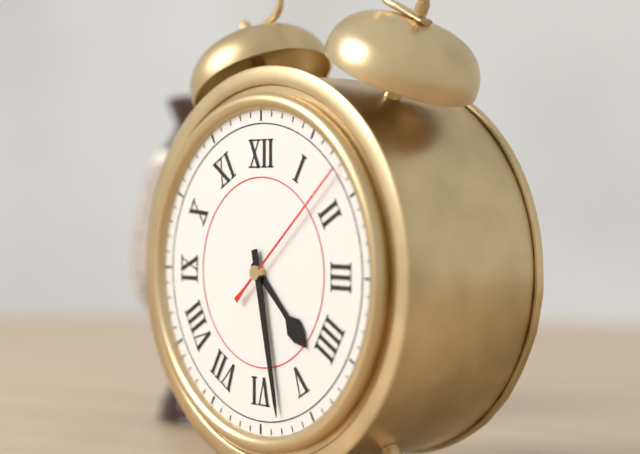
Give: 4:28:08
